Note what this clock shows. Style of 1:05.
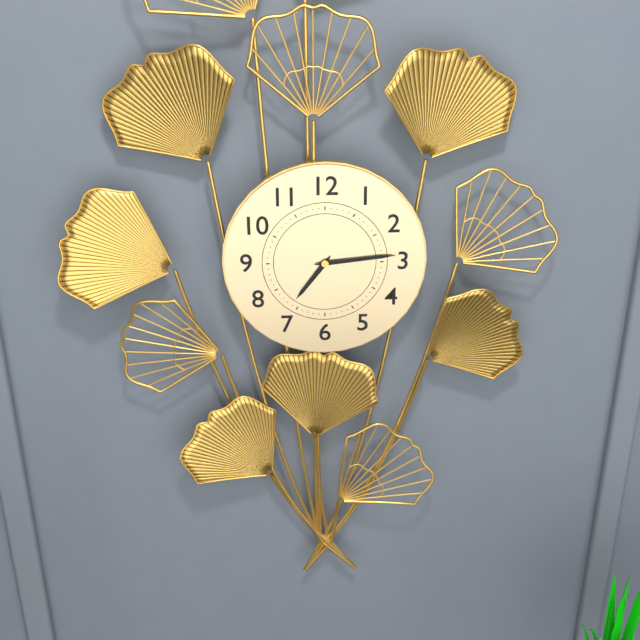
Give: 7:14
